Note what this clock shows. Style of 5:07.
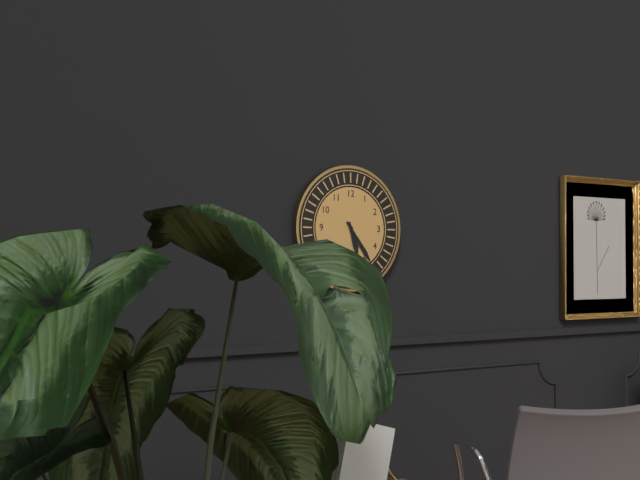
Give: 5:24
